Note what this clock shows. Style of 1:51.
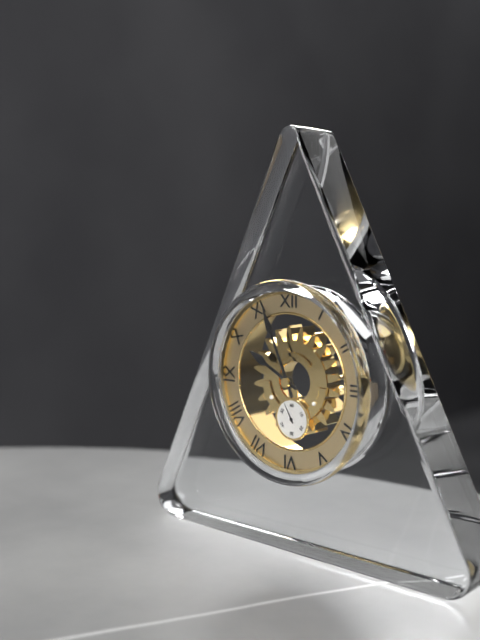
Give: 9:56
